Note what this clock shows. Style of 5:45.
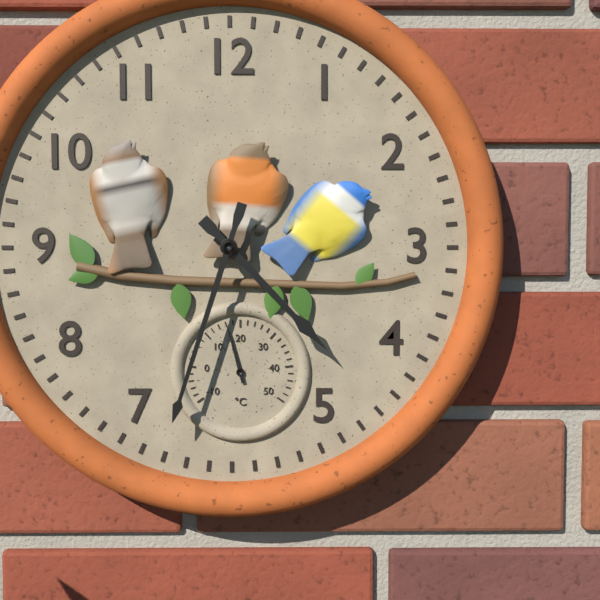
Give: 4:33
